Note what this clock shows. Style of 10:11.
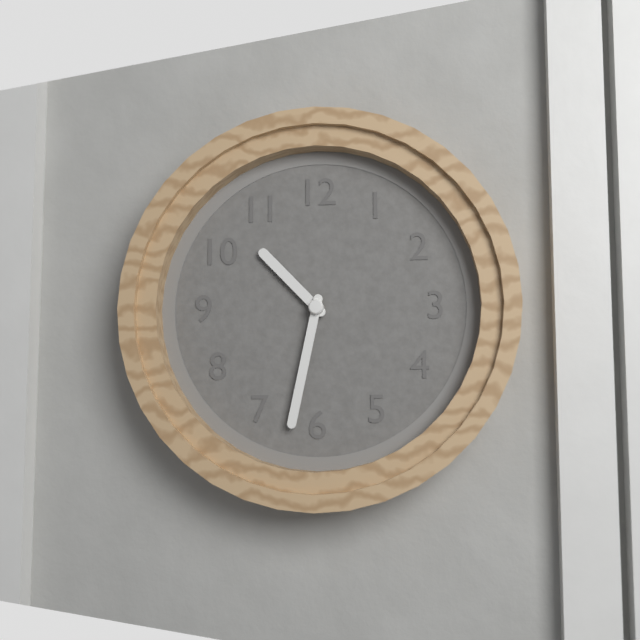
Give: 10:32
